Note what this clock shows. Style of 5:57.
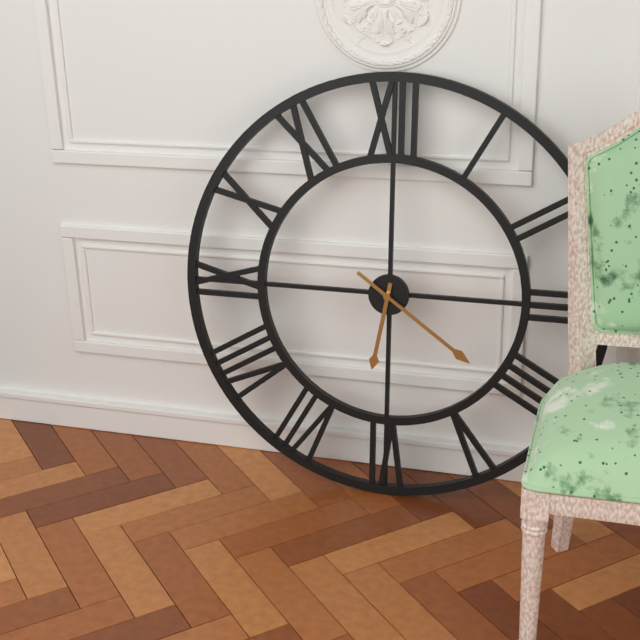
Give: 6:21
